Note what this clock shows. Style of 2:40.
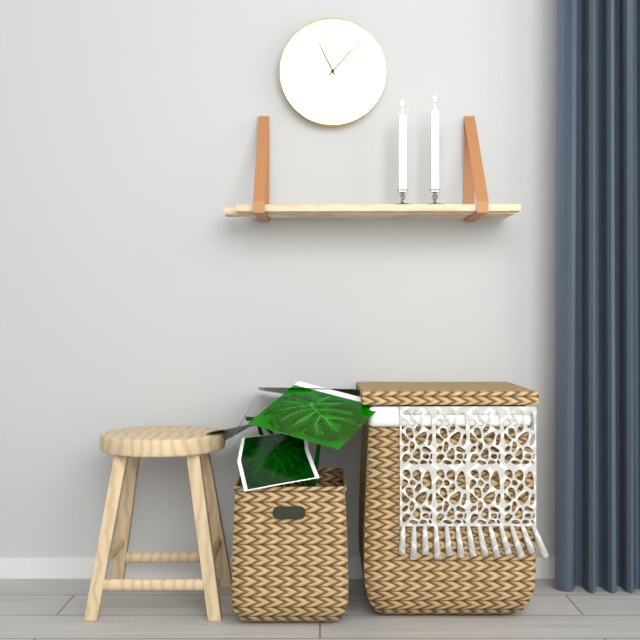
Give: 11:07
